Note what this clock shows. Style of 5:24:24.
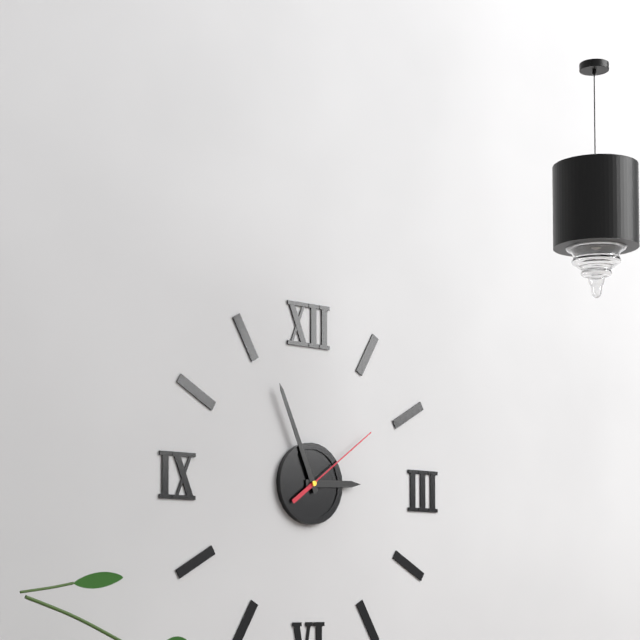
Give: 2:56:09
